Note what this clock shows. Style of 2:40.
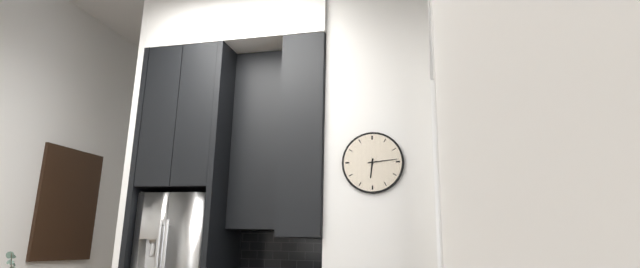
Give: 6:14
